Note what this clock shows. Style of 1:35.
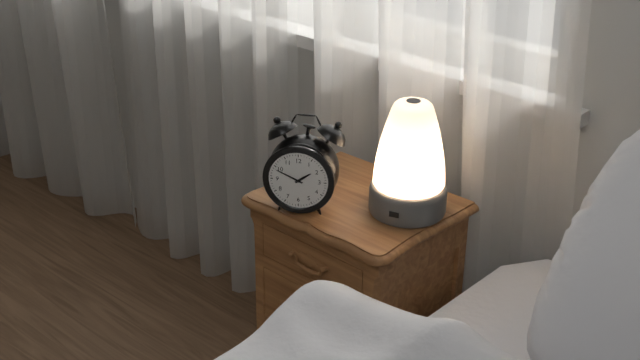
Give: 1:49
